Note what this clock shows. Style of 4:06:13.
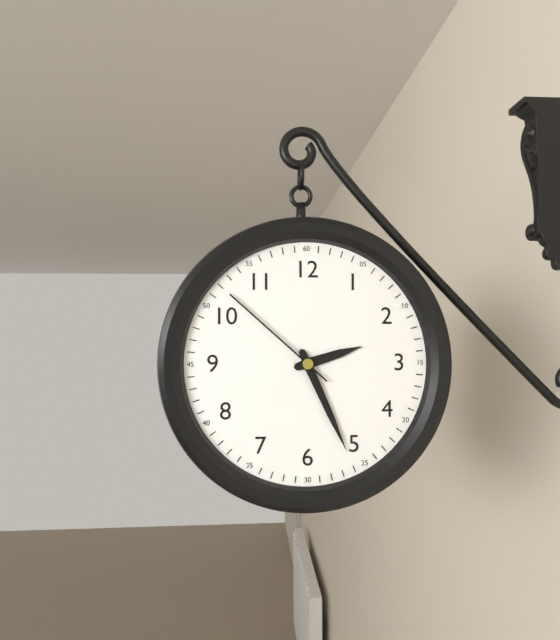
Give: 2:26:52
